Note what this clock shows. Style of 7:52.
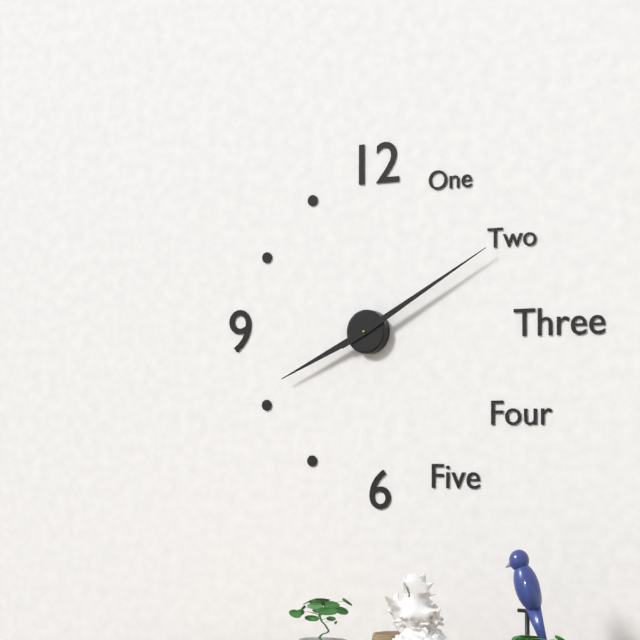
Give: 8:10
